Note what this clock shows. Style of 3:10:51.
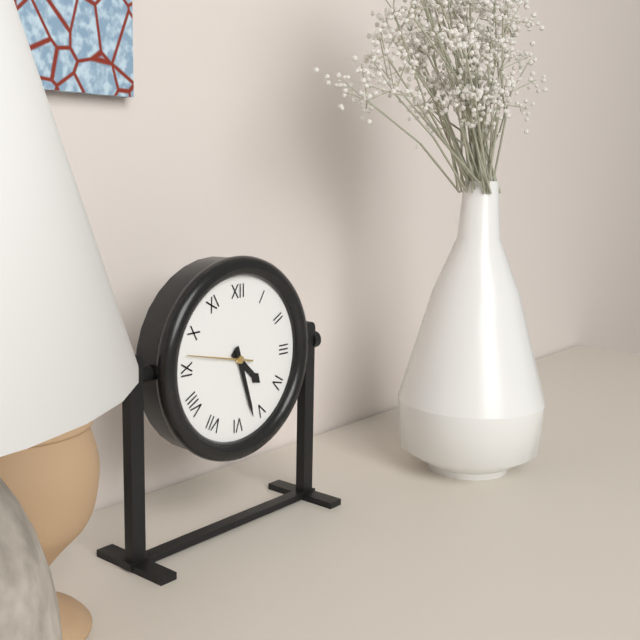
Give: 4:27:47
